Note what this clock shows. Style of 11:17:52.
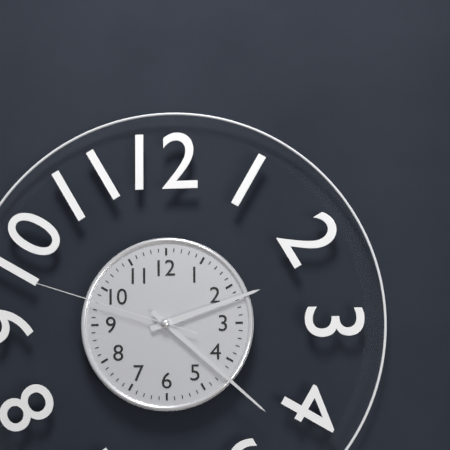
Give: 2:22:48
